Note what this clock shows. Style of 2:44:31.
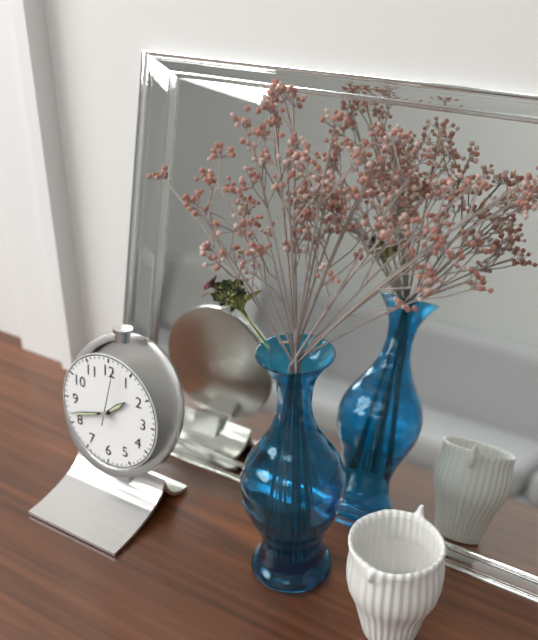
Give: 1:42:02
